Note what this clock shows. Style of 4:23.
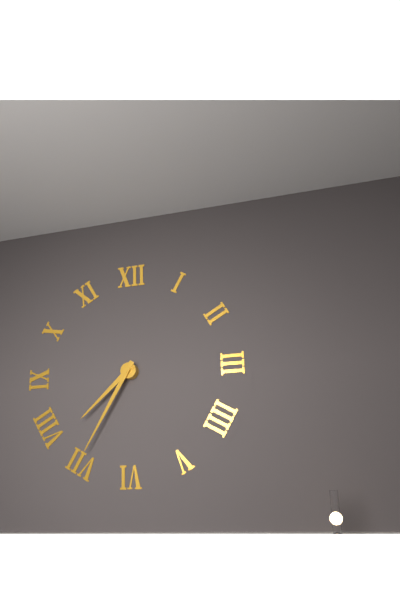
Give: 7:35
